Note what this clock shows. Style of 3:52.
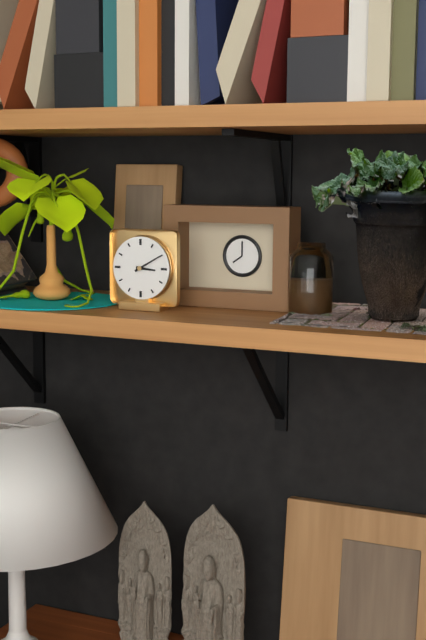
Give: 3:10
